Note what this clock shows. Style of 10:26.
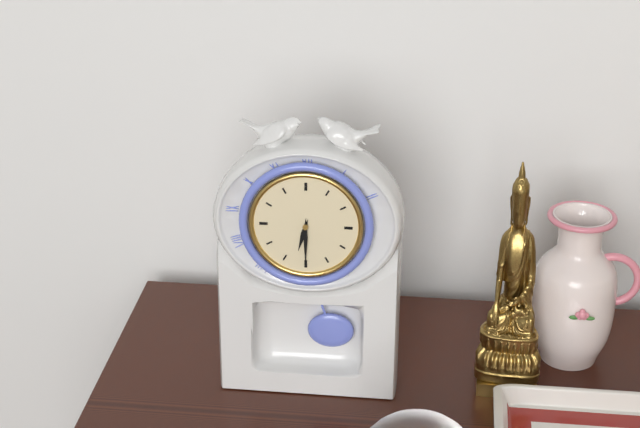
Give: 6:30
